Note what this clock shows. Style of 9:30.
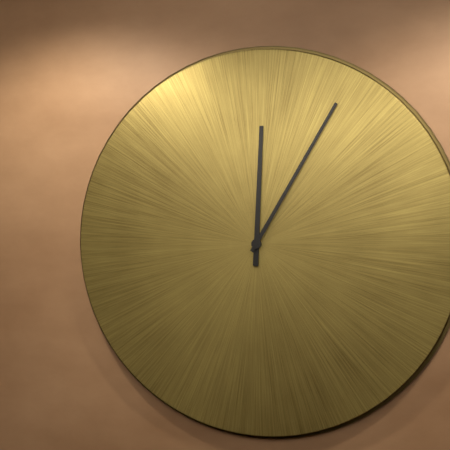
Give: 12:05
